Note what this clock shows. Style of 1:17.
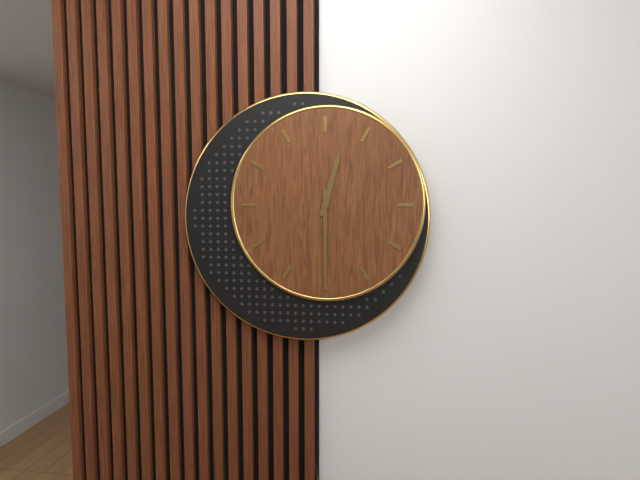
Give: 12:30
